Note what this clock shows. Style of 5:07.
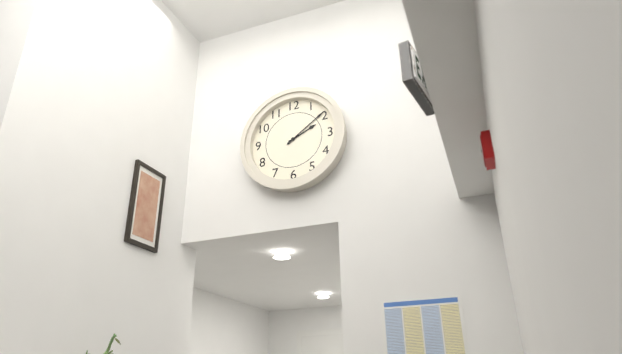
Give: 2:09
